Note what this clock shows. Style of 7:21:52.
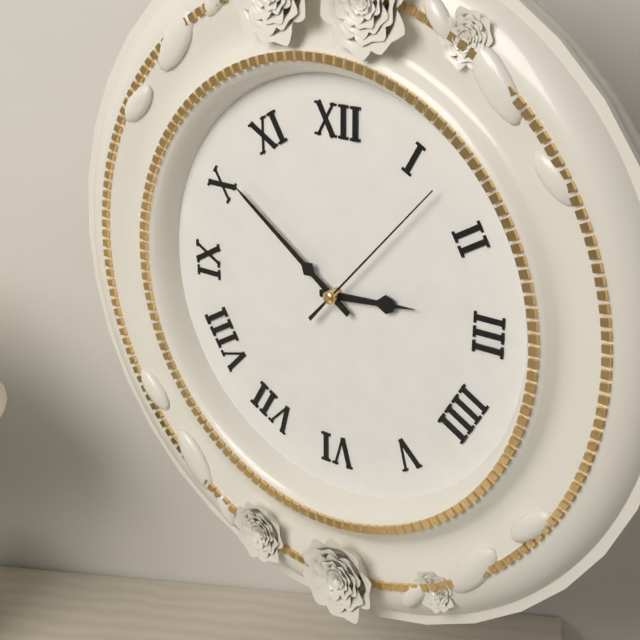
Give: 2:51:07
